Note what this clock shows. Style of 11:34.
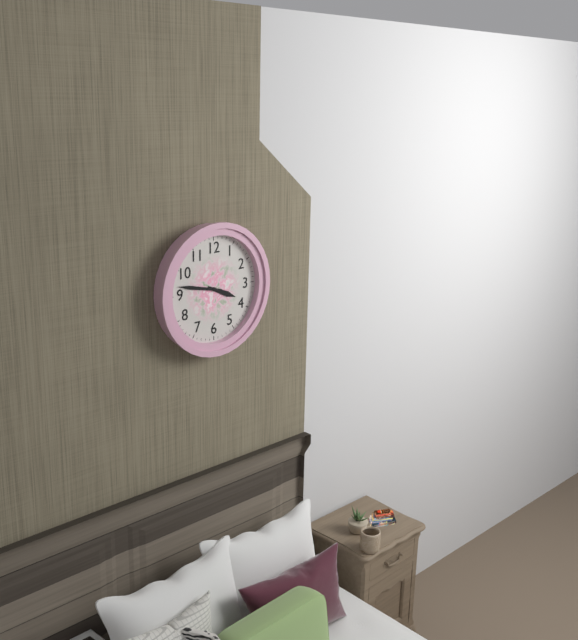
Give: 3:47
